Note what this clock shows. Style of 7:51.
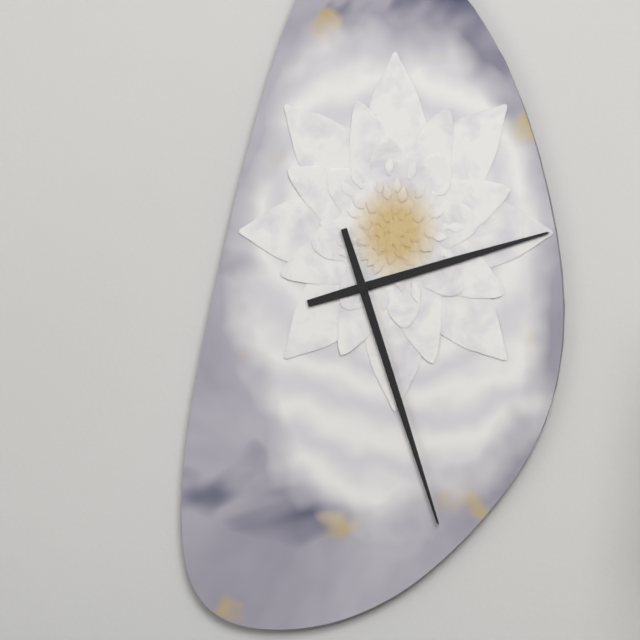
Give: 2:27
